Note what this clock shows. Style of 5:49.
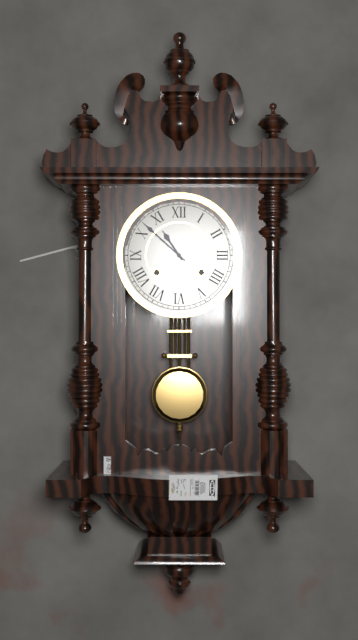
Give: 10:52
